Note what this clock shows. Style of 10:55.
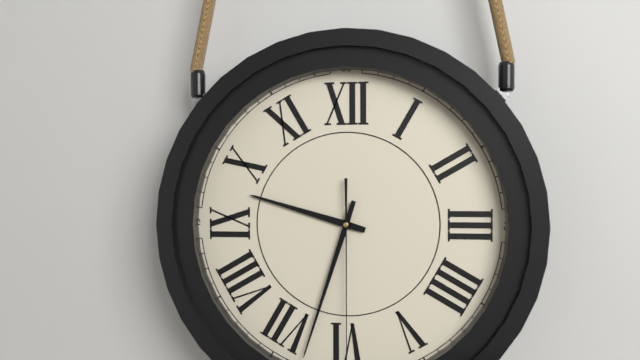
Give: 9:33
